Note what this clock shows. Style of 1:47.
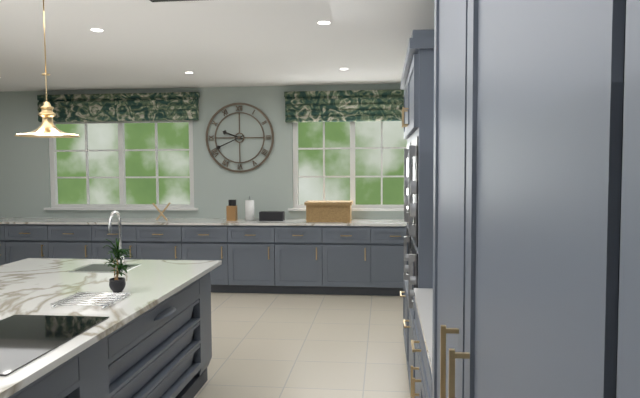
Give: 9:41
